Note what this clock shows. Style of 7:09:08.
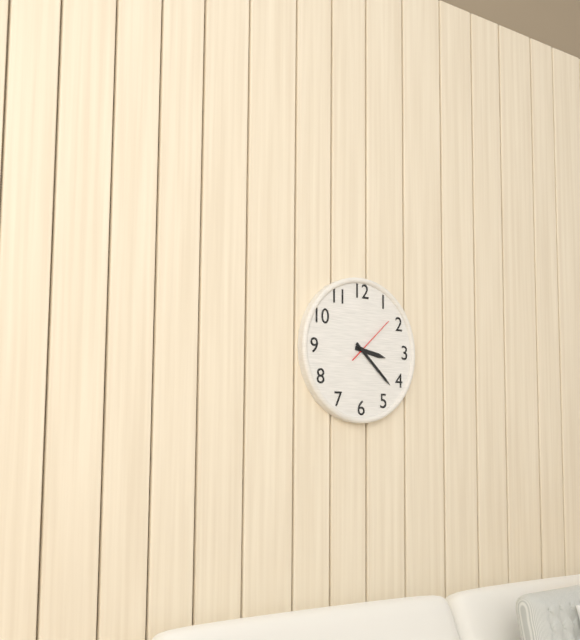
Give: 3:22:08
